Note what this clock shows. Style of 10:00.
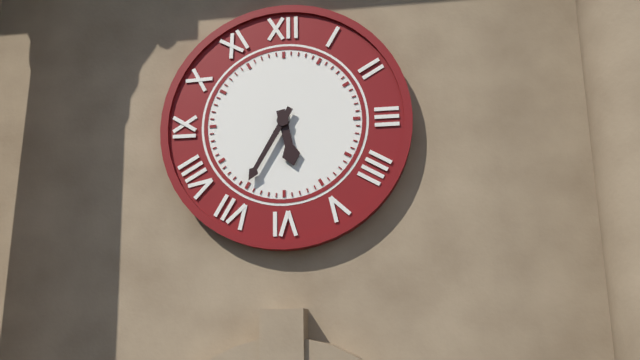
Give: 5:35
